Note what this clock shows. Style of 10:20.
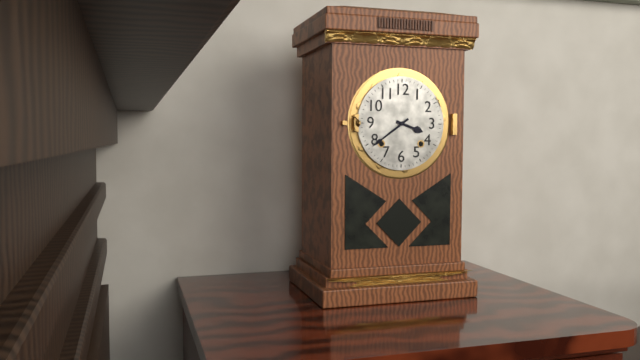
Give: 3:39
